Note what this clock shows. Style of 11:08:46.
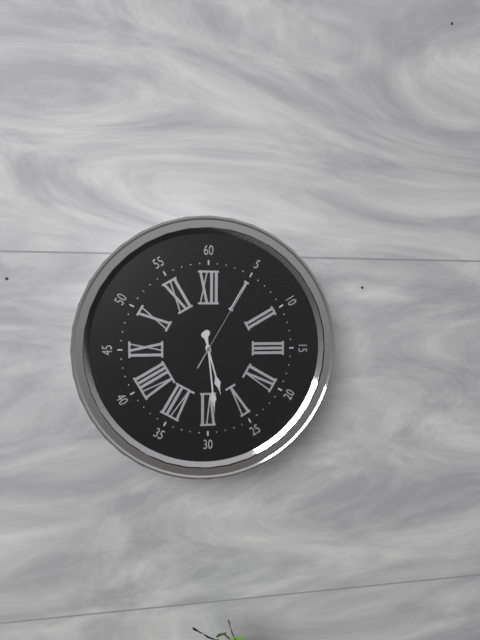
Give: 5:29:05
